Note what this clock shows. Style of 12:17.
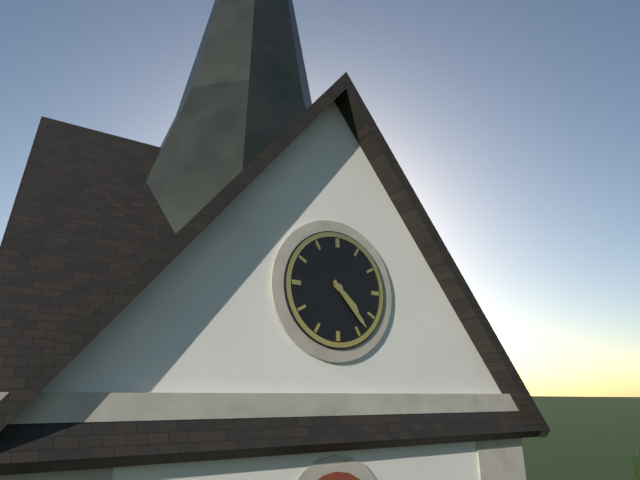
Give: 4:23
